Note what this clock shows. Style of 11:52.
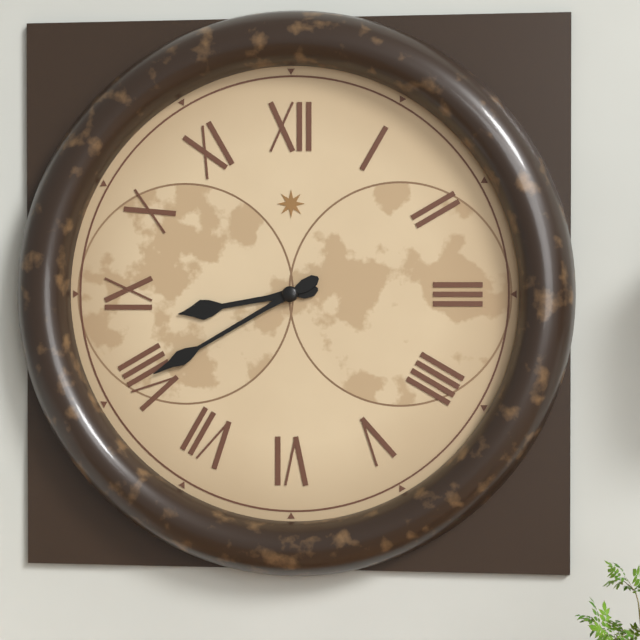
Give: 8:40
